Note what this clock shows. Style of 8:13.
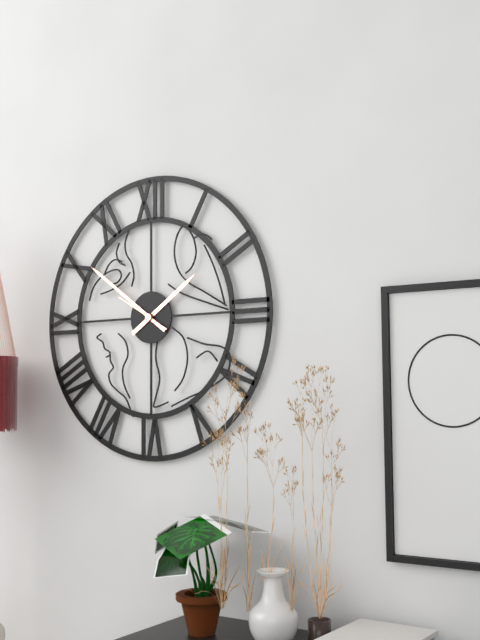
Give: 1:51
